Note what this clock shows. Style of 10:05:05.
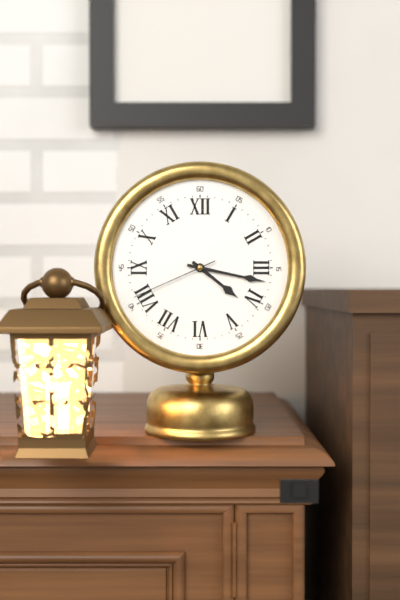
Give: 4:17:41
